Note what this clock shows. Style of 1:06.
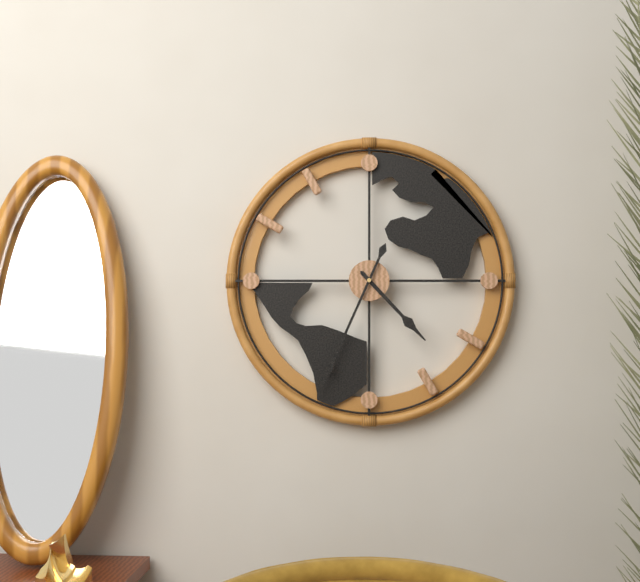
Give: 4:34
